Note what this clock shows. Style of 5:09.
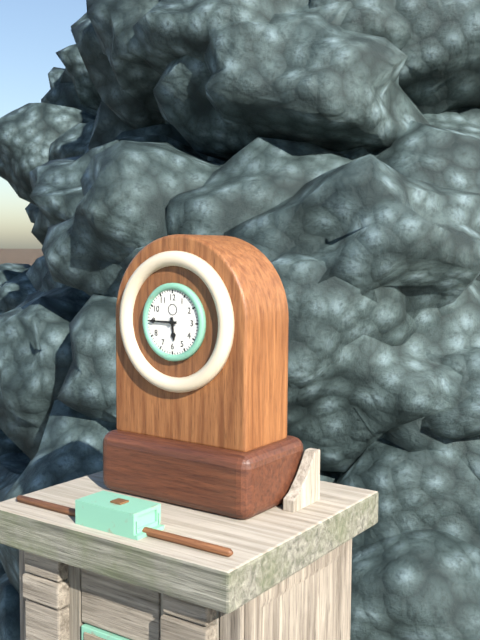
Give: 5:45
